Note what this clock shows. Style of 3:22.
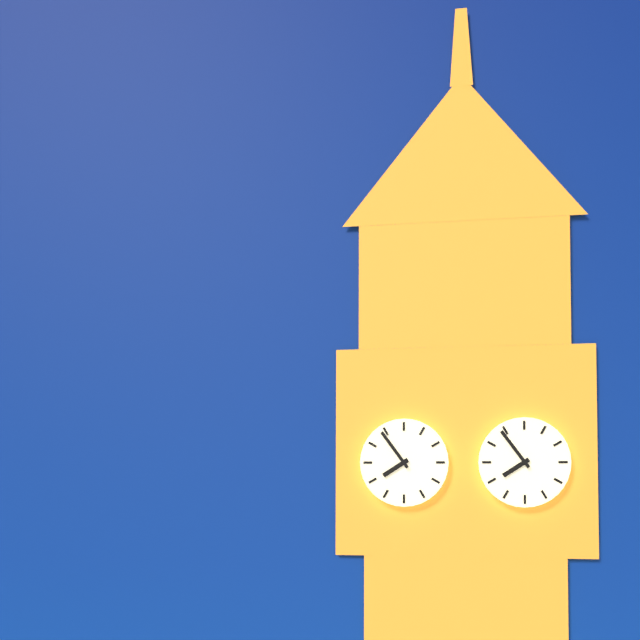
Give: 7:54
